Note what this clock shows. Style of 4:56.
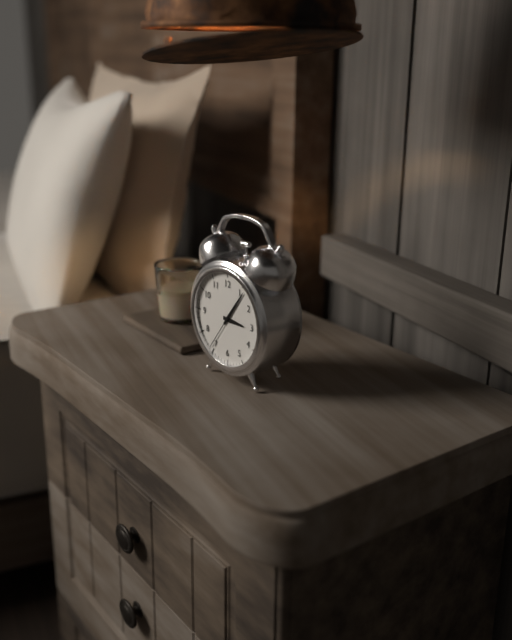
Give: 3:06
